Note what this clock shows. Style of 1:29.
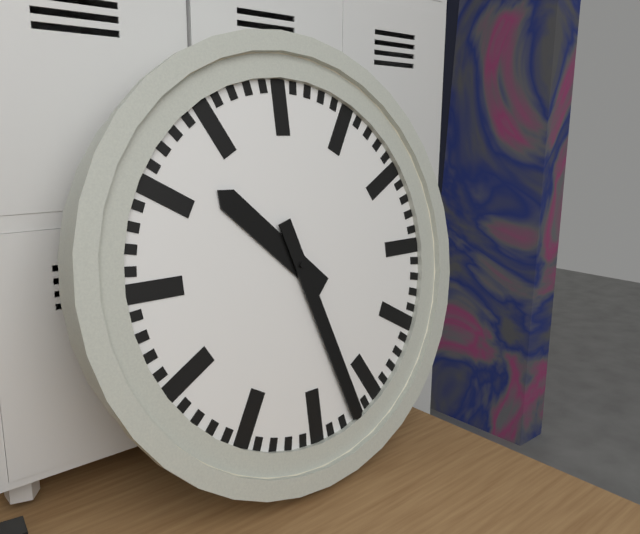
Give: 10:27
